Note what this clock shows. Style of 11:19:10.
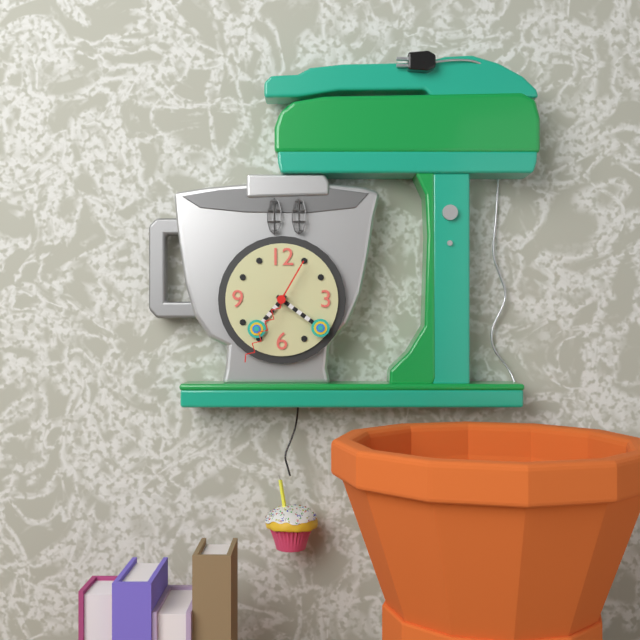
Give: 7:21:35
